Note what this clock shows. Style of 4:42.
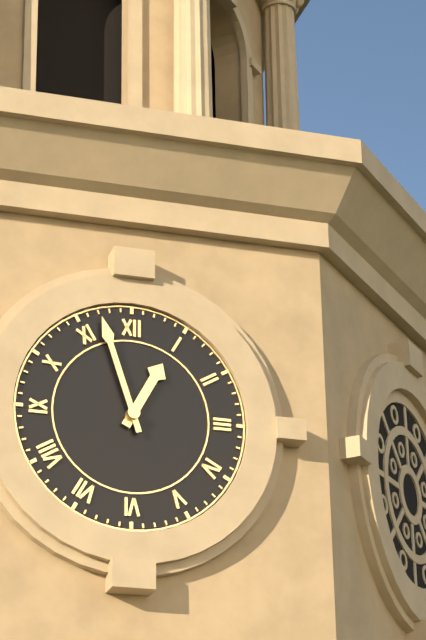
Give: 12:57
